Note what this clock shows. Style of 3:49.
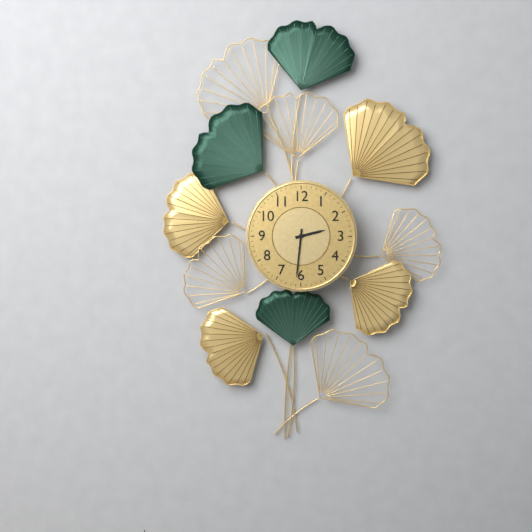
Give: 2:31
